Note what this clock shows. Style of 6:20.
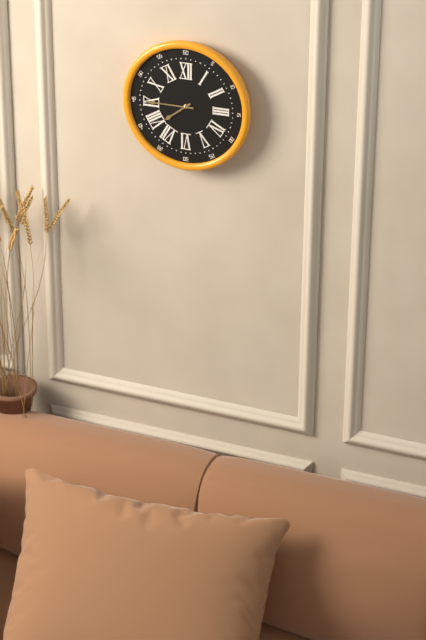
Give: 7:45
